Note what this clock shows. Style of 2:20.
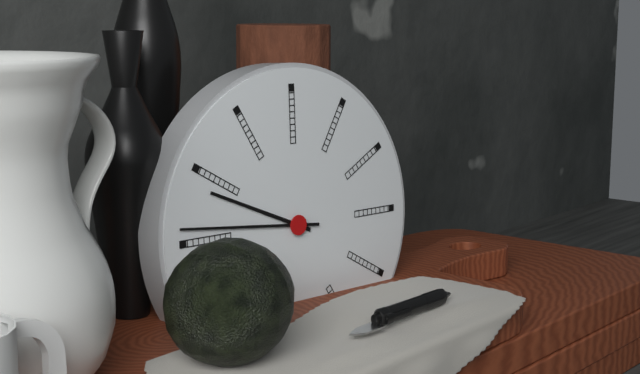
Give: 9:46
